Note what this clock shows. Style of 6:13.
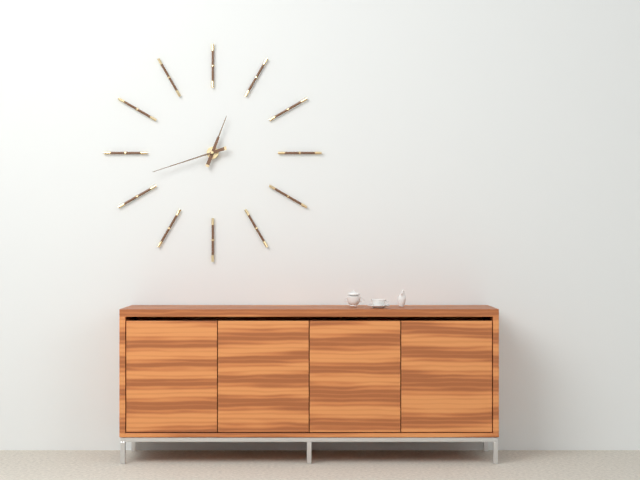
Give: 12:42
